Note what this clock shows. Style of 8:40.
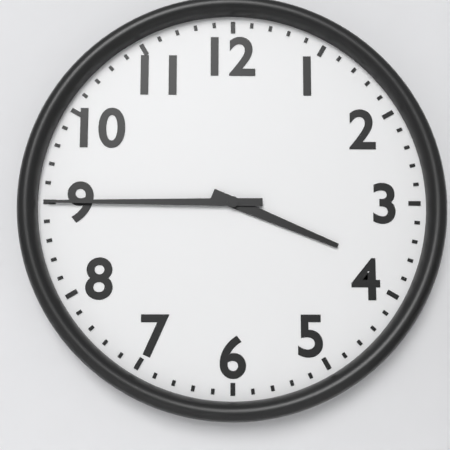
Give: 3:45
